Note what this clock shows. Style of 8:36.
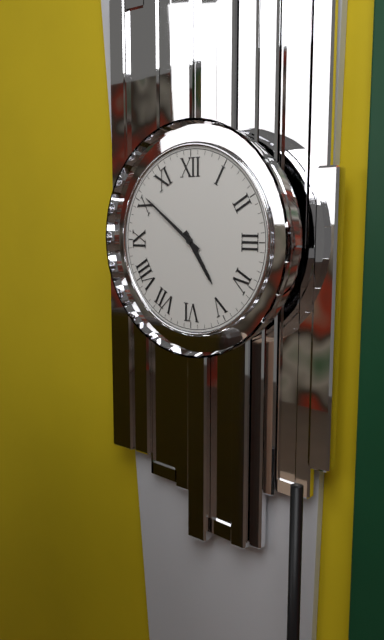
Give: 4:51
